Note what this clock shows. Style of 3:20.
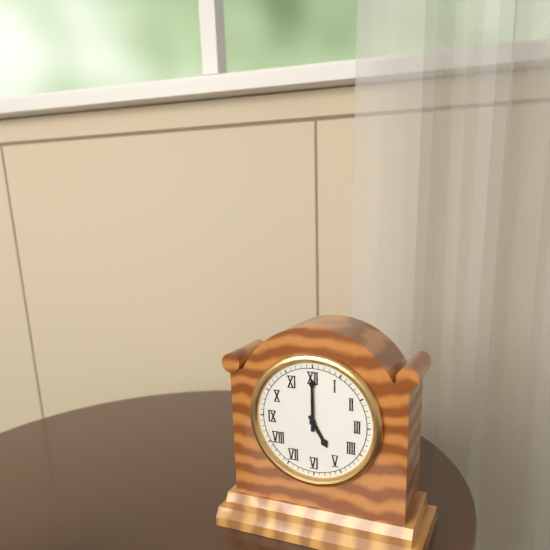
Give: 5:00
